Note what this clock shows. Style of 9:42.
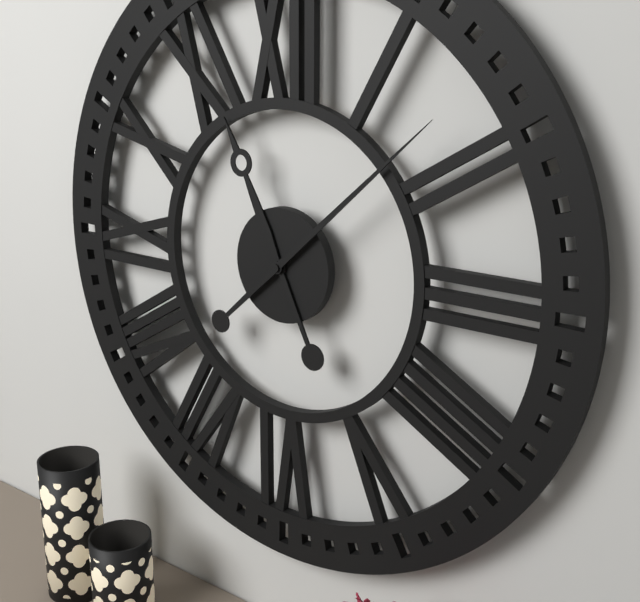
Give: 11:08
